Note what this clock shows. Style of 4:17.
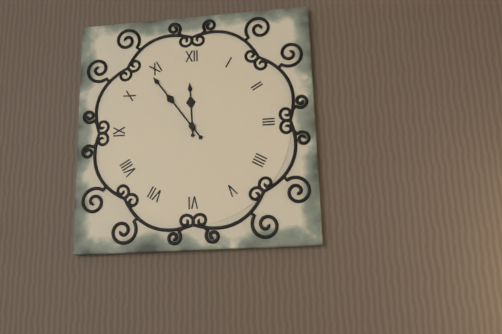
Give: 11:54
